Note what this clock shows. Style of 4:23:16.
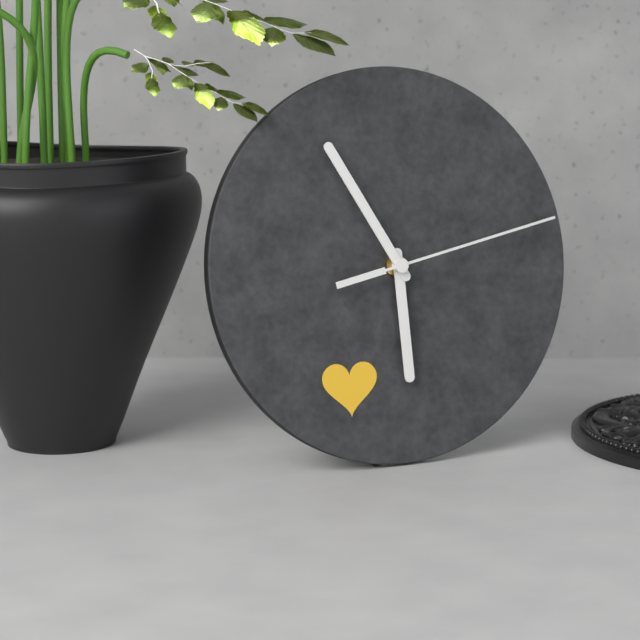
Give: 5:55:13
